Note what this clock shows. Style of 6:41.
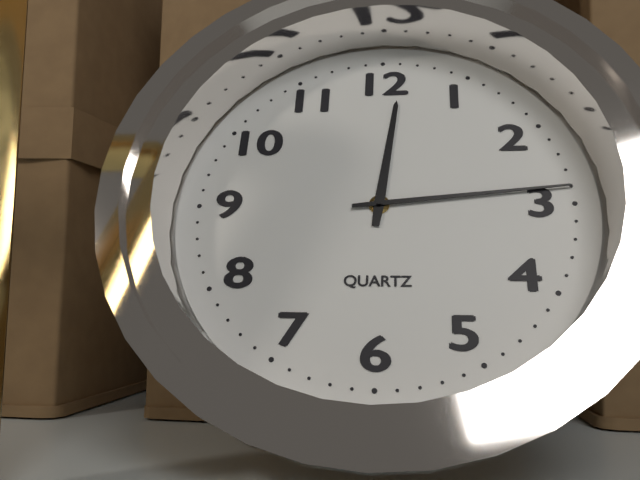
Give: 12:14
